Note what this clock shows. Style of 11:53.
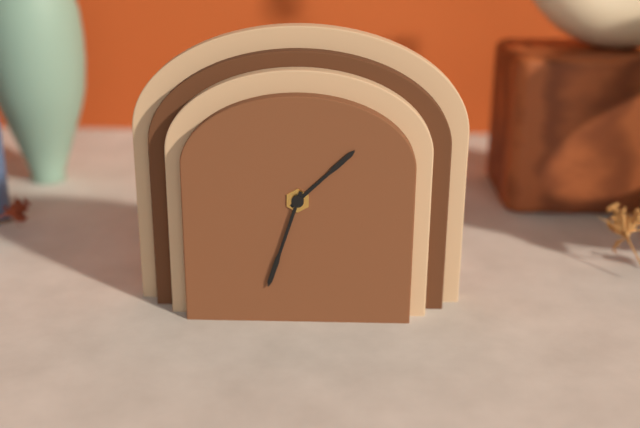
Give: 1:33
